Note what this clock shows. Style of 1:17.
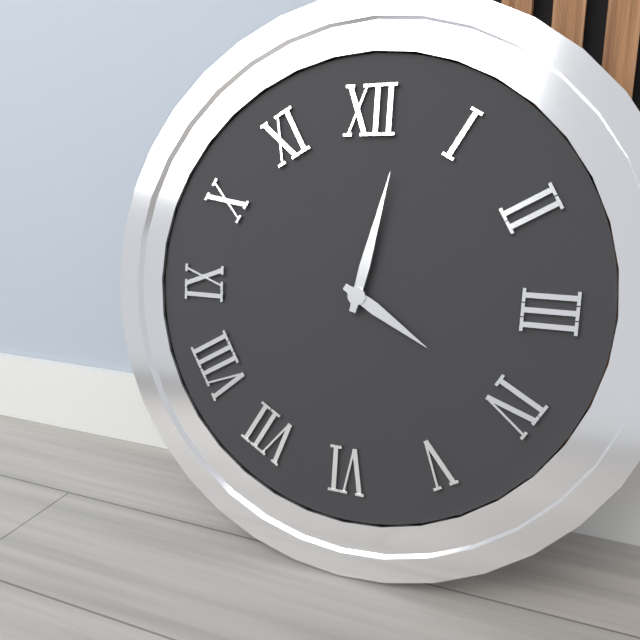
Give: 4:02
